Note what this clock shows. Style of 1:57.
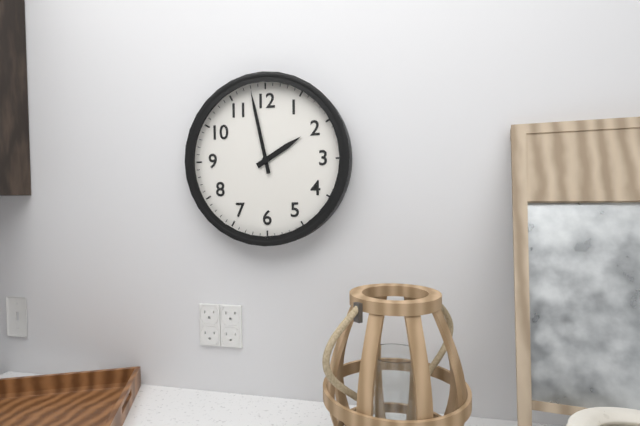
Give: 1:58
